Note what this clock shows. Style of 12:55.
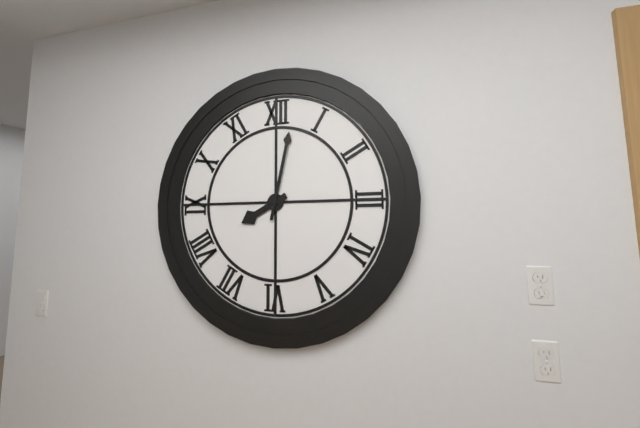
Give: 8:02
